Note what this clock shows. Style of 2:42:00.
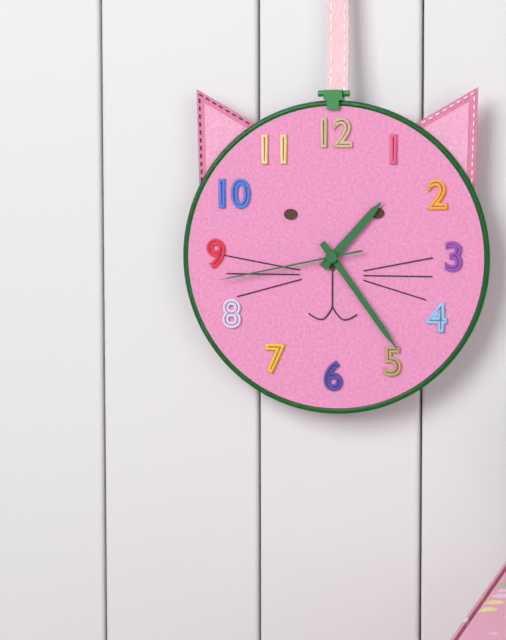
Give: 1:24:43
